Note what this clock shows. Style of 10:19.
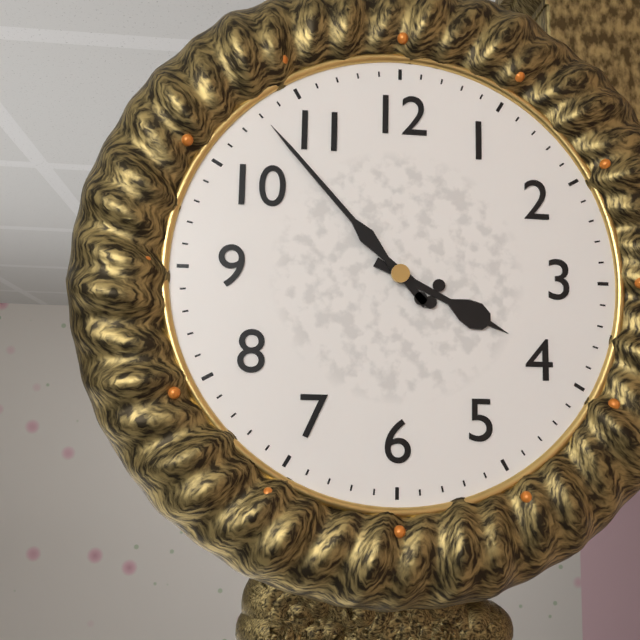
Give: 3:53
